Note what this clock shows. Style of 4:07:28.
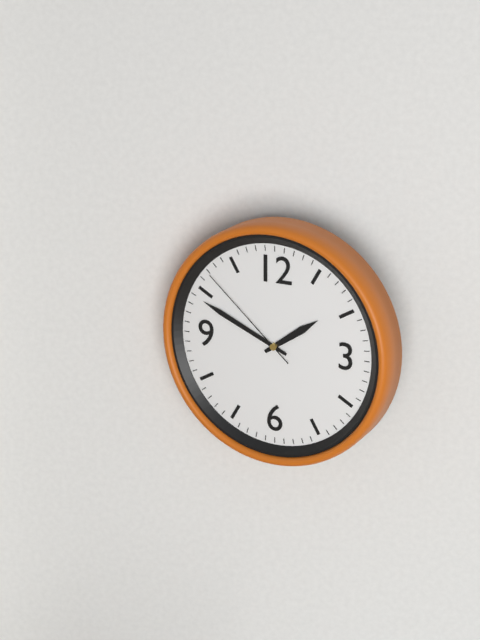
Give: 1:49:52
